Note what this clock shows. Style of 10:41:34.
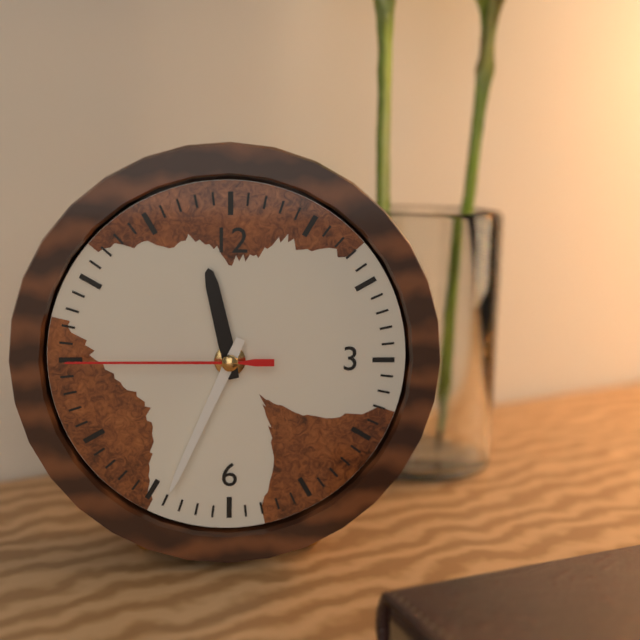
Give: 11:34:45
